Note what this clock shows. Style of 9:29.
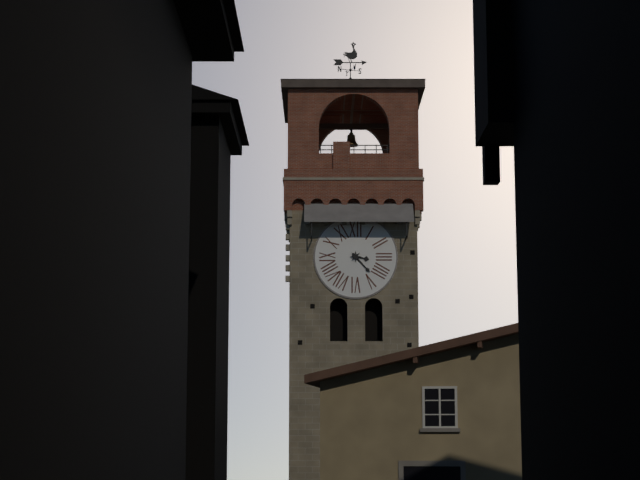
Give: 3:23
